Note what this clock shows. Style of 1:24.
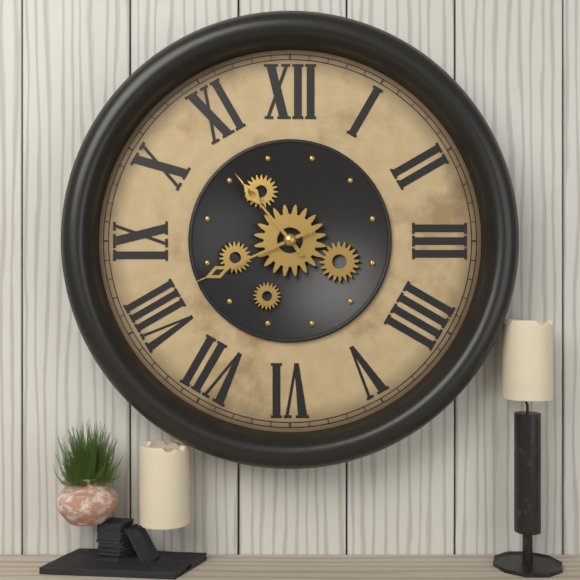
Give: 10:41
